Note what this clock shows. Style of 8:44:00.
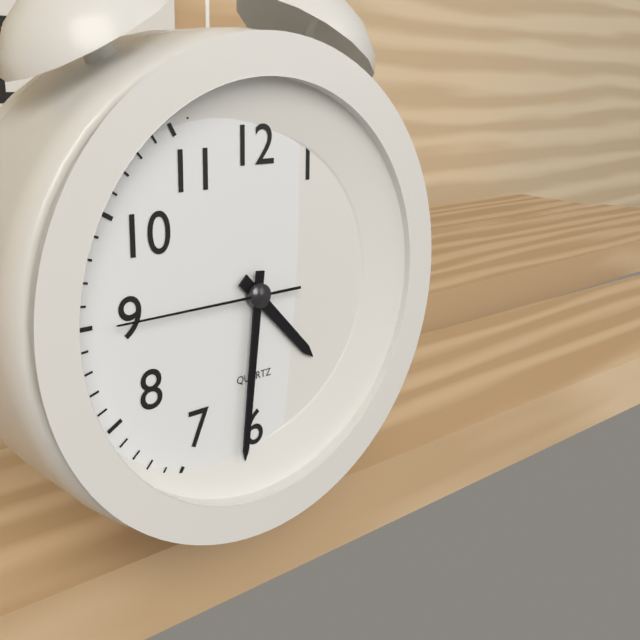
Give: 4:31:45
